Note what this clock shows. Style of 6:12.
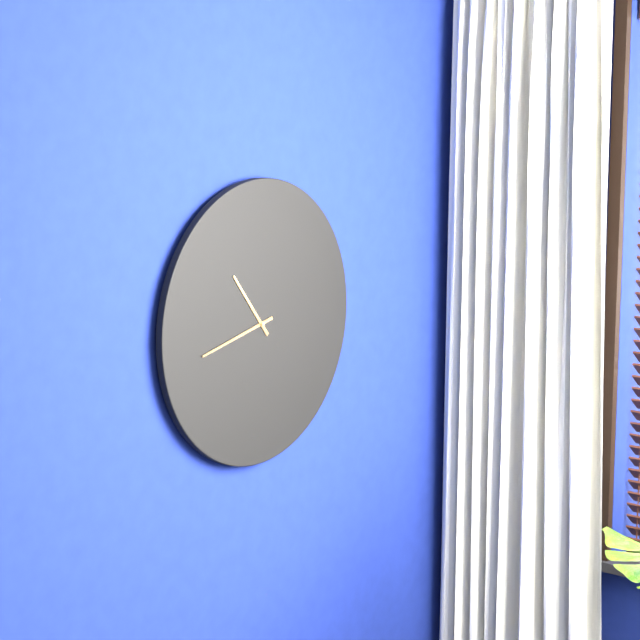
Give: 10:43
